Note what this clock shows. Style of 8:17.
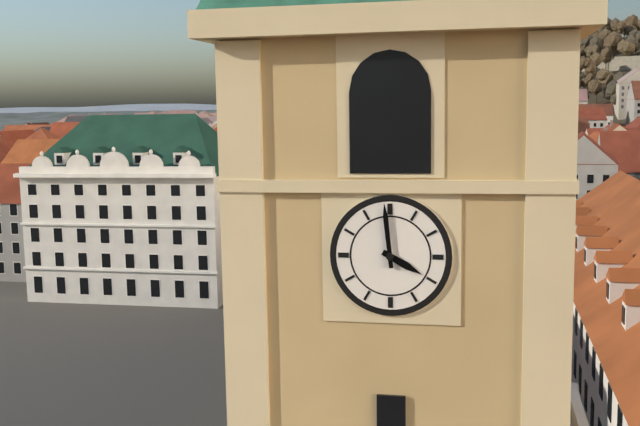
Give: 3:59
